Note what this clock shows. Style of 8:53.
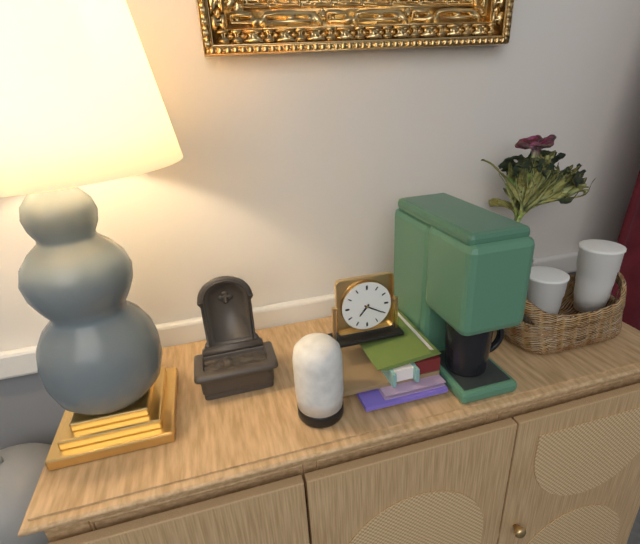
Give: 7:20
